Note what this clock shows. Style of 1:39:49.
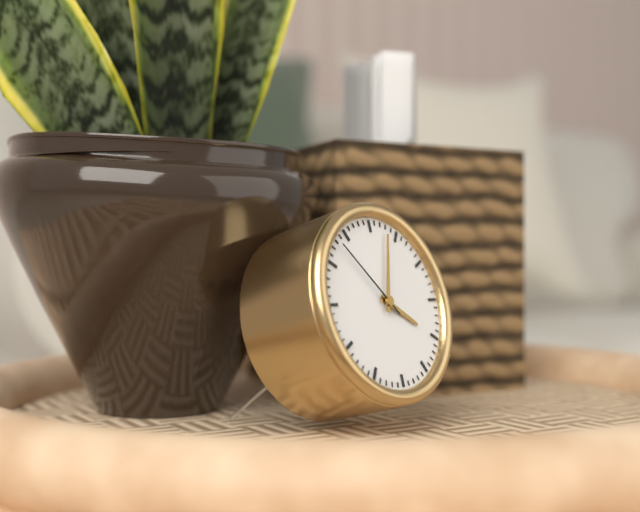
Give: 4:03:53
